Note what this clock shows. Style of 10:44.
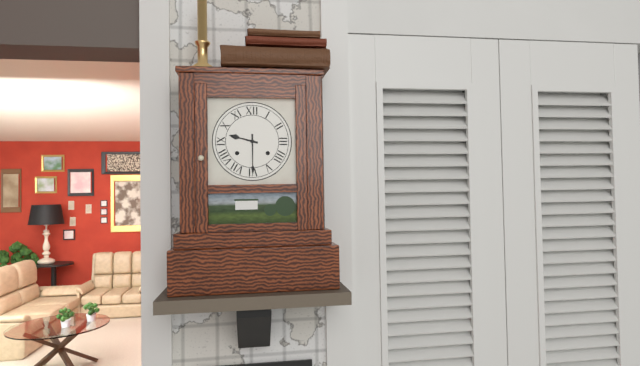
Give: 9:30
